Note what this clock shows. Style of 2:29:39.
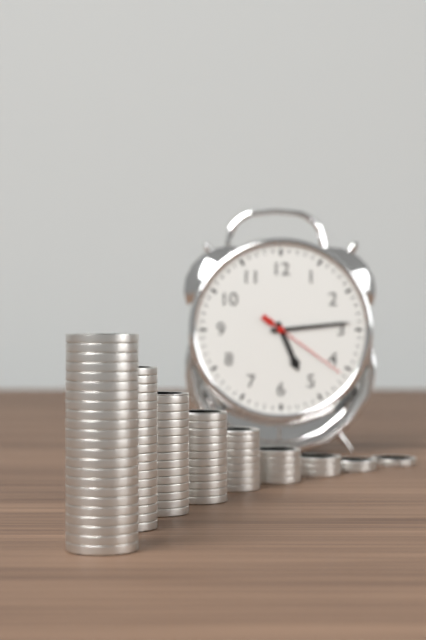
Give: 5:14:21
